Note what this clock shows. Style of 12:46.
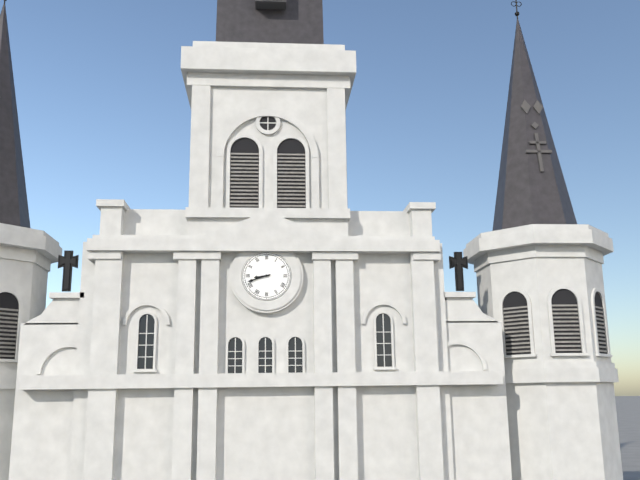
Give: 8:42
